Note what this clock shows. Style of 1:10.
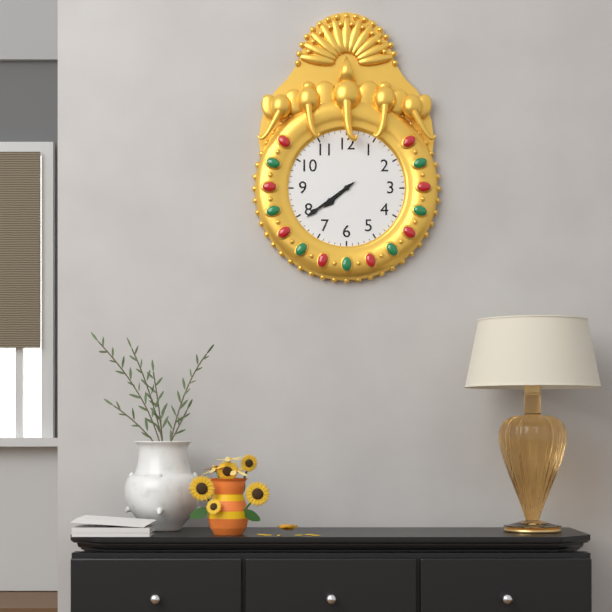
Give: 7:39
